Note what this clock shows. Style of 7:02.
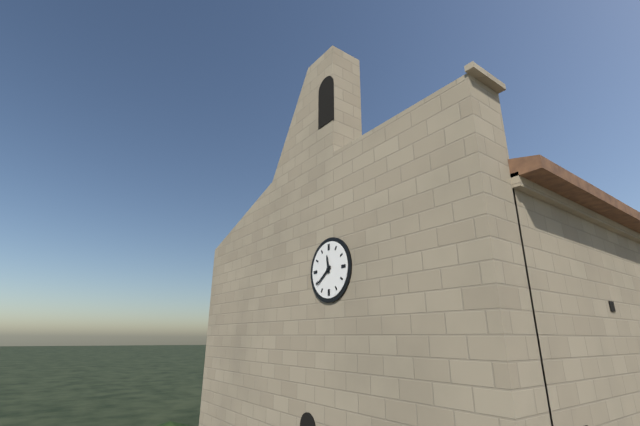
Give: 11:39
